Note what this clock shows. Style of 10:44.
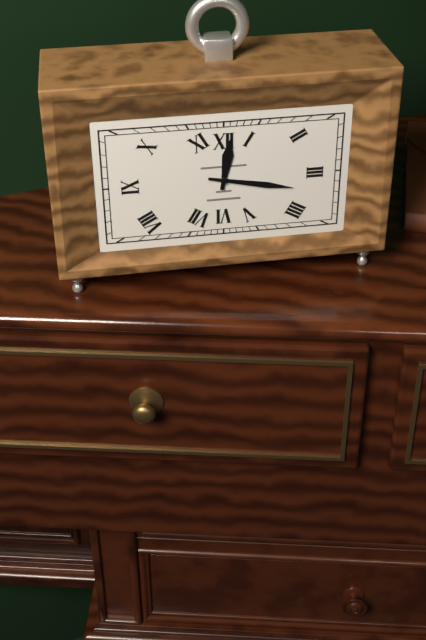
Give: 12:17
